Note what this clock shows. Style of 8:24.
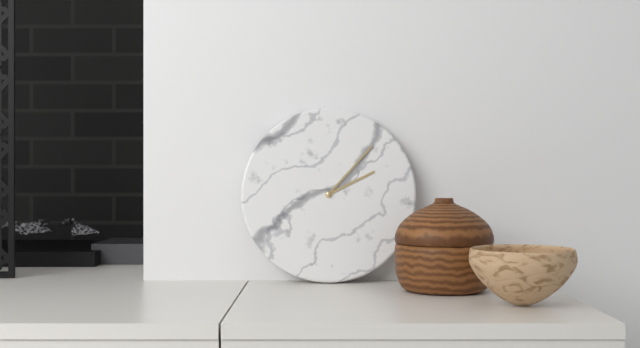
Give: 2:07
